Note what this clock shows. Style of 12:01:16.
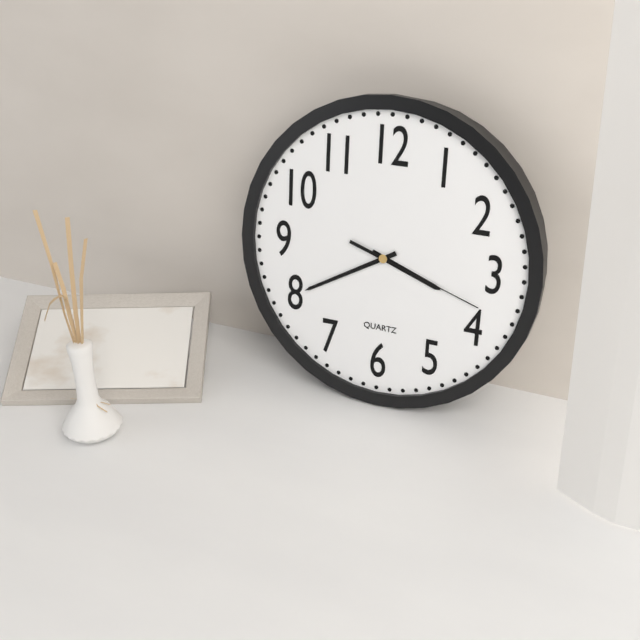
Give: 3:40:18
